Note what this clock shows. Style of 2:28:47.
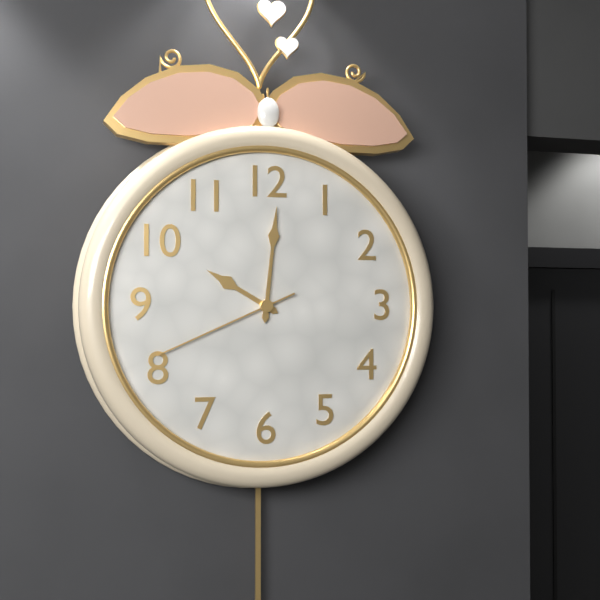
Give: 10:01:41
